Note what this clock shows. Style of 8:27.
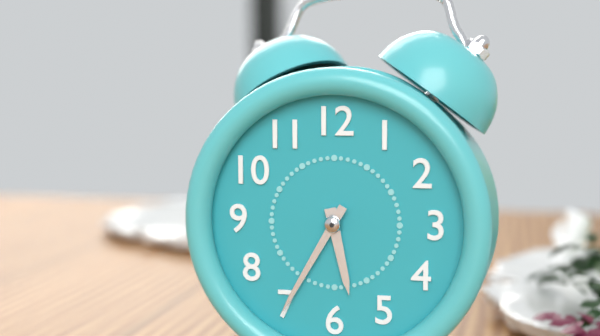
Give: 5:35
